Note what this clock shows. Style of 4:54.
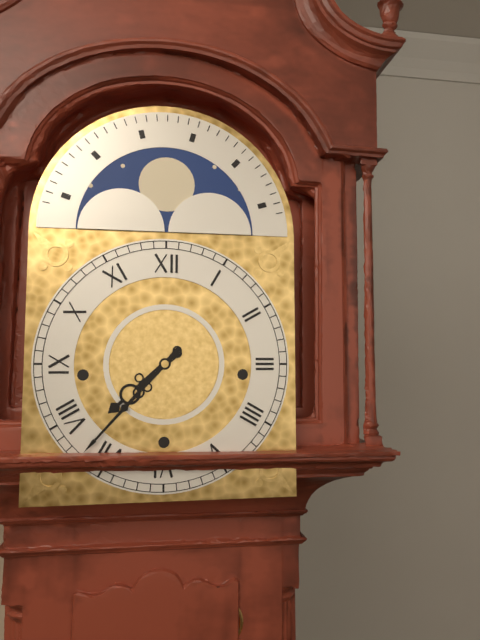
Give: 7:37
